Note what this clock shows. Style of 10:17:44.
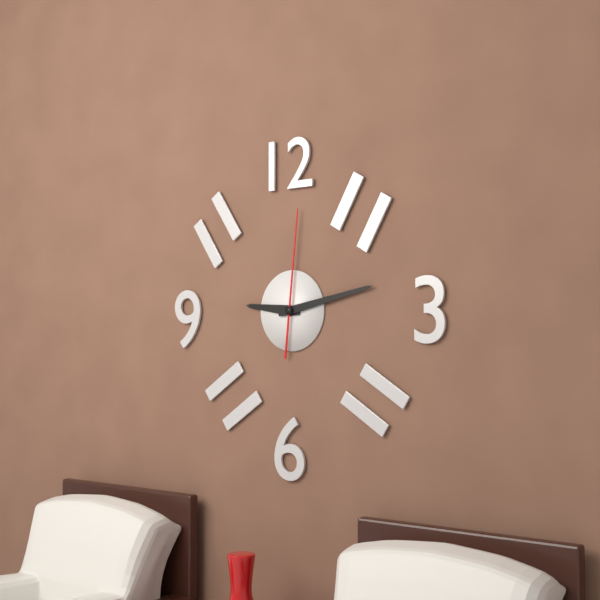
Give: 9:13:01
